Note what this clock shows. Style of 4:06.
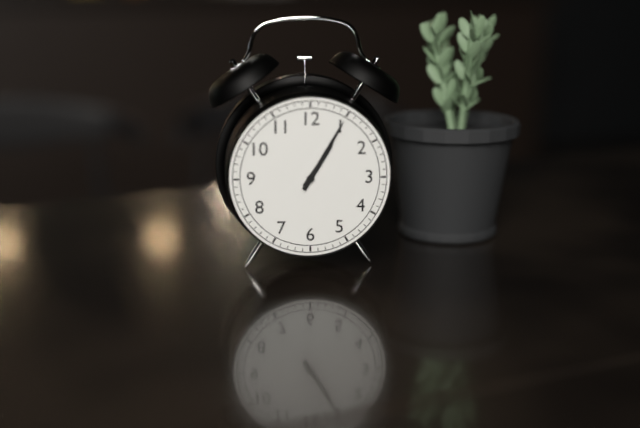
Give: 1:05
